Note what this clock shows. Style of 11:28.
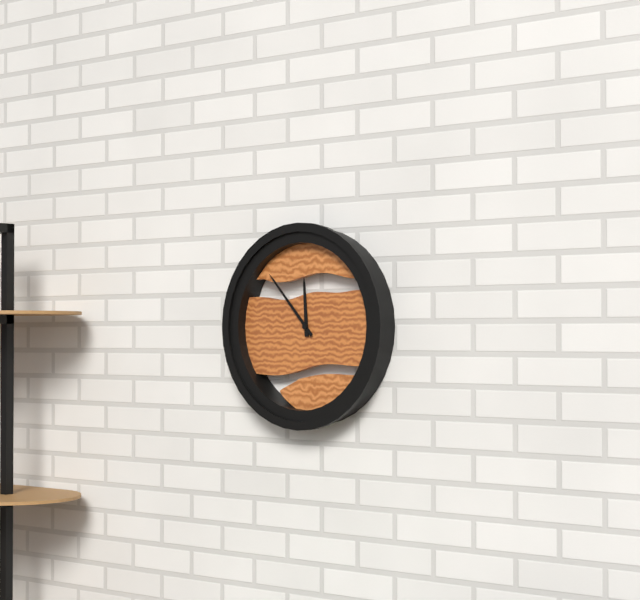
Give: 11:53
